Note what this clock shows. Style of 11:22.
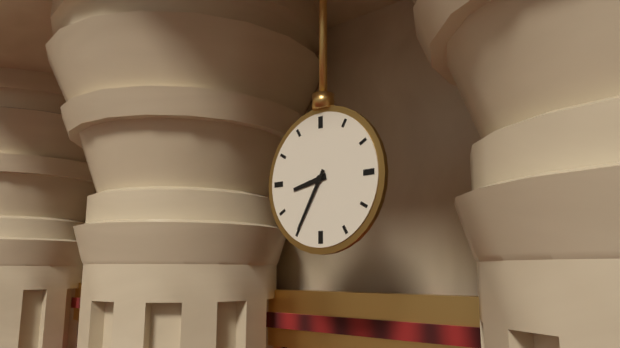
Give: 8:35
